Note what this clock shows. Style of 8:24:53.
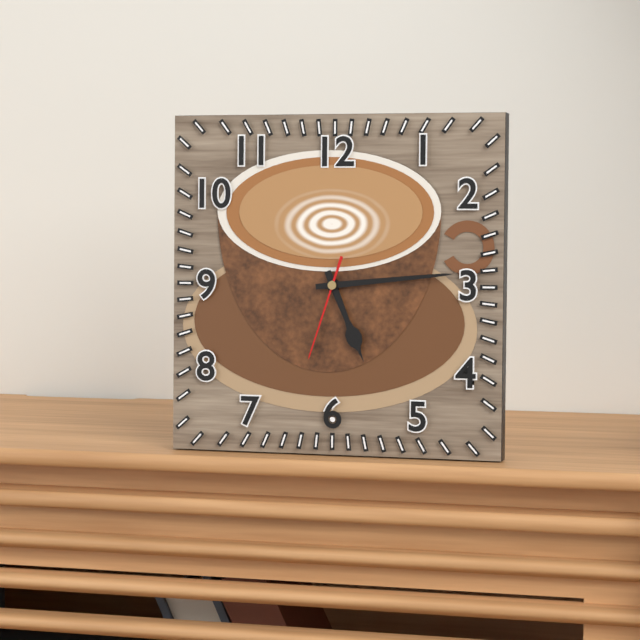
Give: 5:14:33
